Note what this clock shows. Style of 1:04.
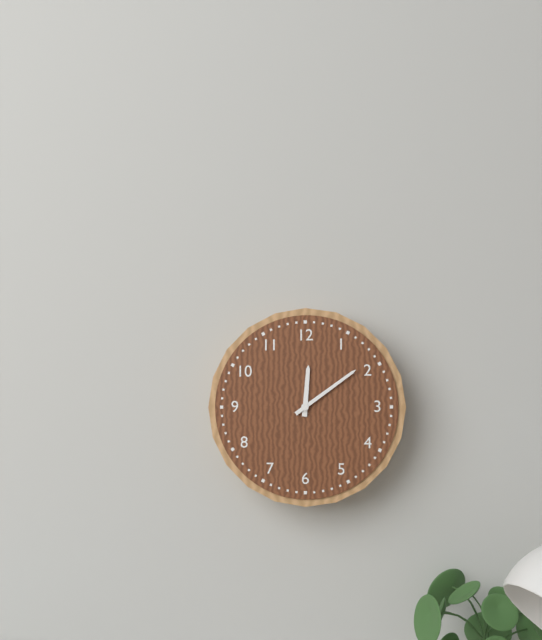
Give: 12:09
